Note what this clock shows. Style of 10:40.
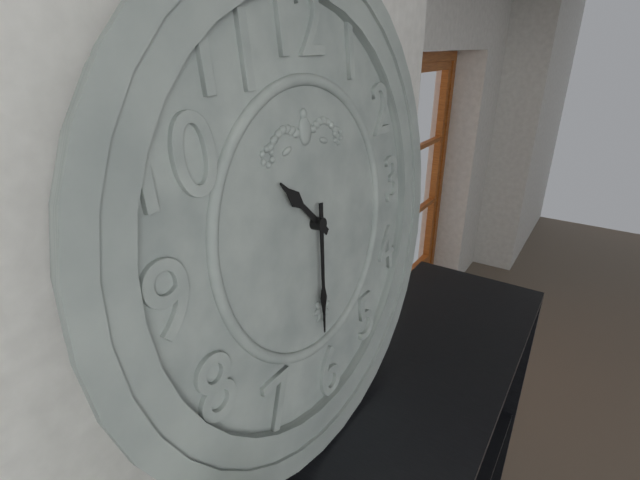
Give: 10:31
